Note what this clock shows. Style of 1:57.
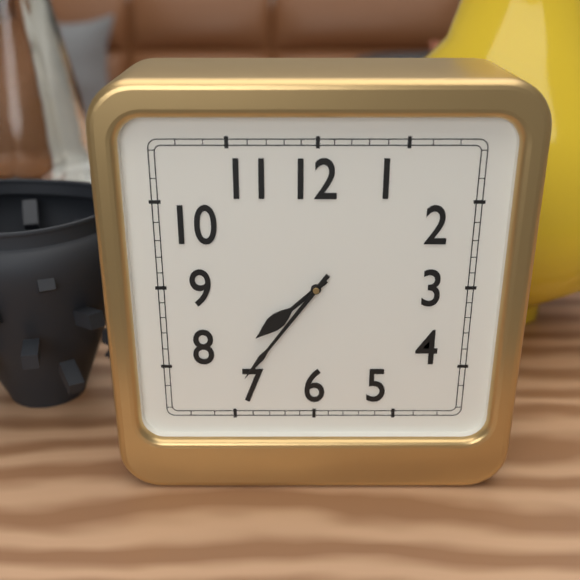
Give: 7:36
